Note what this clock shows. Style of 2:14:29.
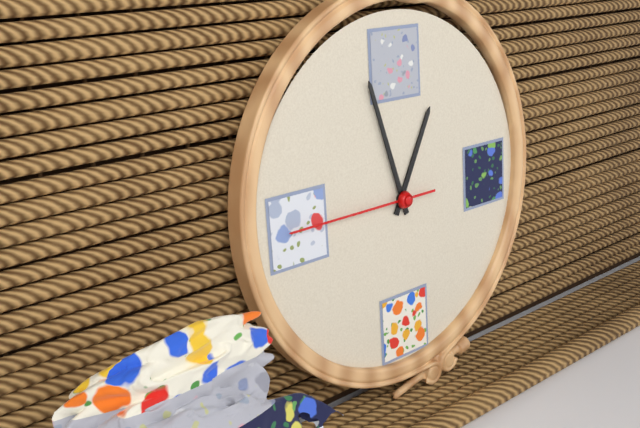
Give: 12:57:45
